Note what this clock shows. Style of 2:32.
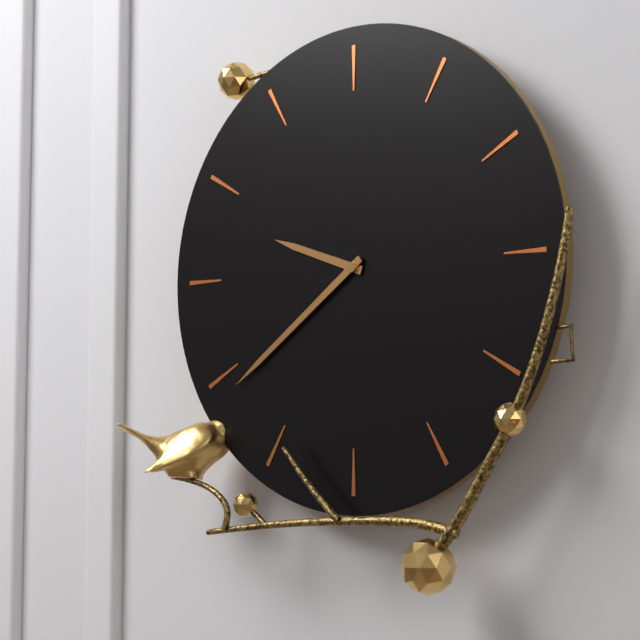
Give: 9:39
